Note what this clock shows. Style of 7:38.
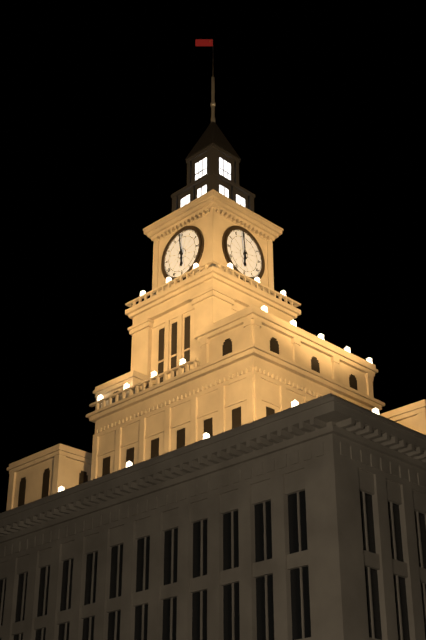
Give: 5:59
